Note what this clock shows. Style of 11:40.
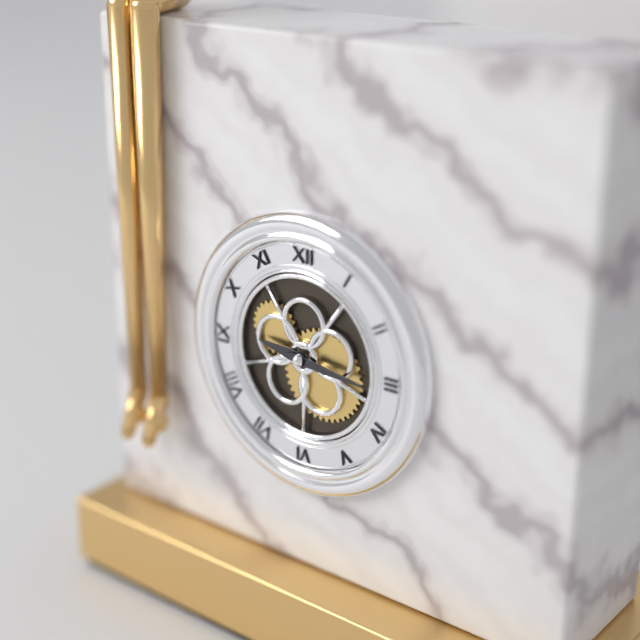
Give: 9:16
